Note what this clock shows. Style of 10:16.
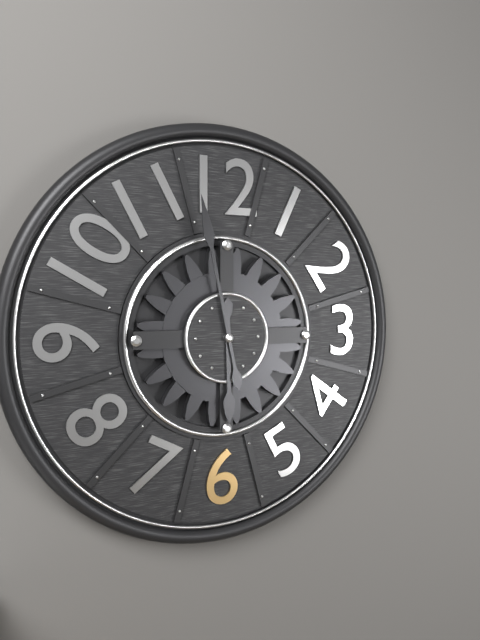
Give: 5:58
